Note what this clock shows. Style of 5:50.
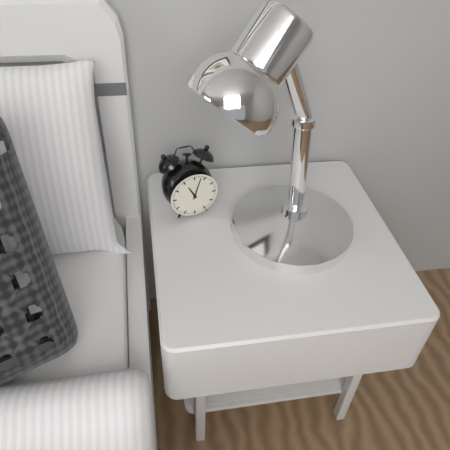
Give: 11:03
